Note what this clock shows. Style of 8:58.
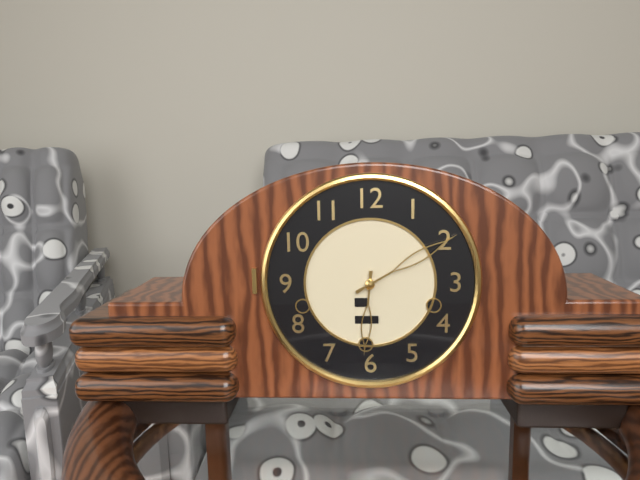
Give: 6:10
